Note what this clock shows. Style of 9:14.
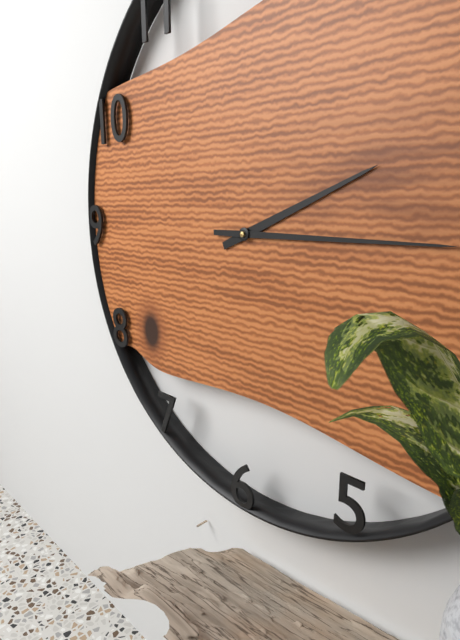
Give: 2:15
